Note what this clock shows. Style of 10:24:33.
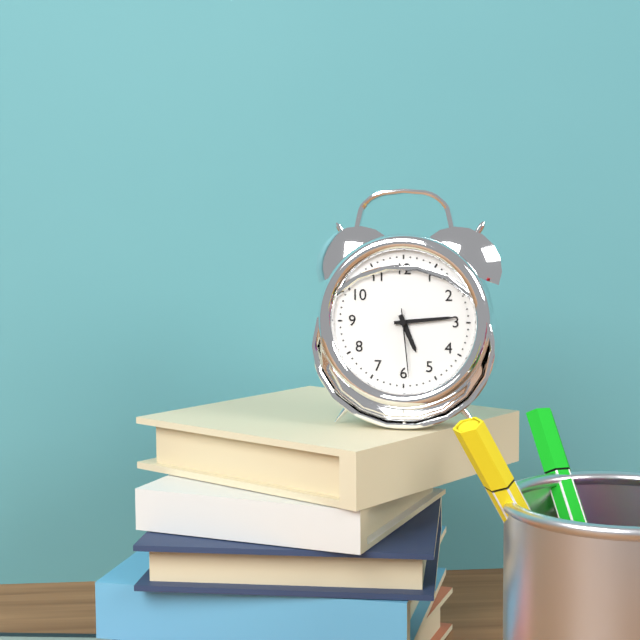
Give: 5:14:29
